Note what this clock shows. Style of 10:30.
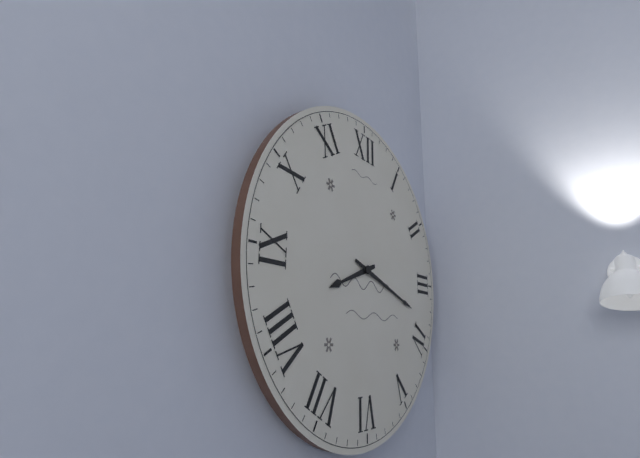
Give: 8:18
